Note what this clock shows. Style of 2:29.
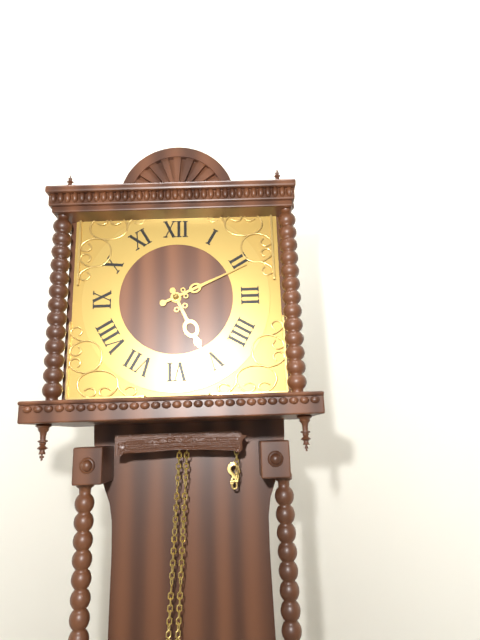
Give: 5:11
